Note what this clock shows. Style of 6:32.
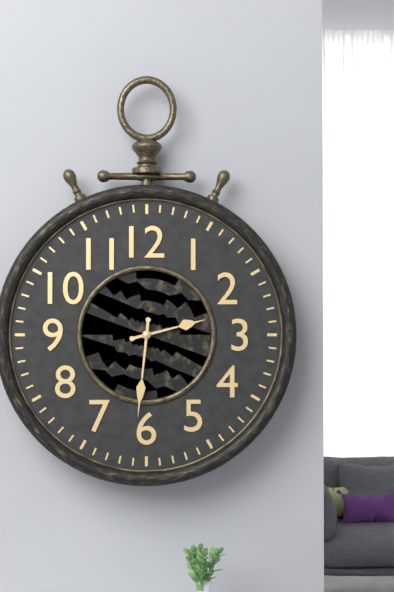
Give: 2:31
